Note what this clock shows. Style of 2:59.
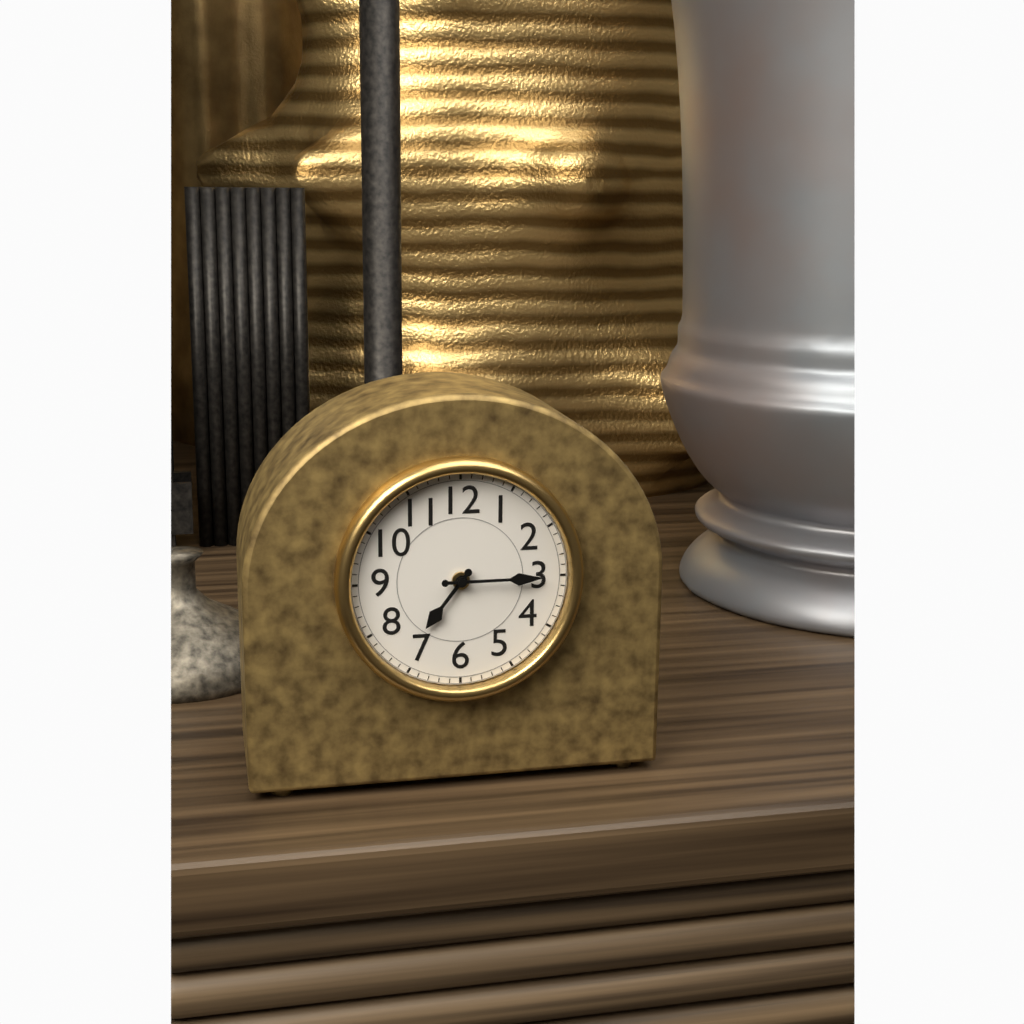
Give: 7:15
